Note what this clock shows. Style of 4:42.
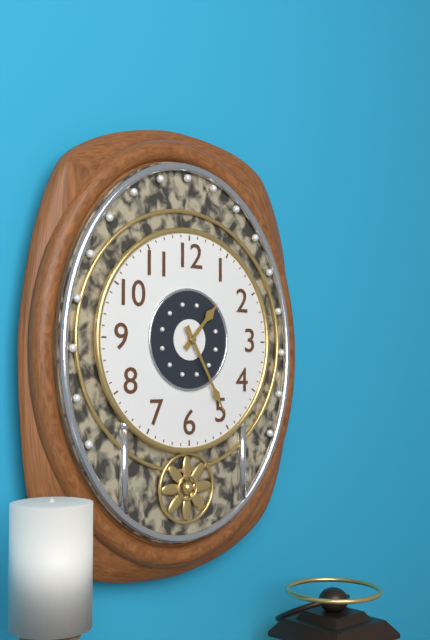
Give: 1:25
